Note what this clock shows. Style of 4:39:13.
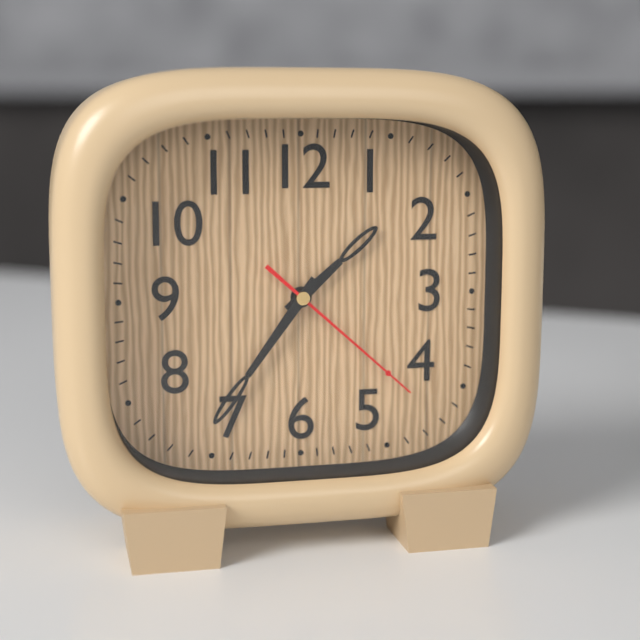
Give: 1:36:22
